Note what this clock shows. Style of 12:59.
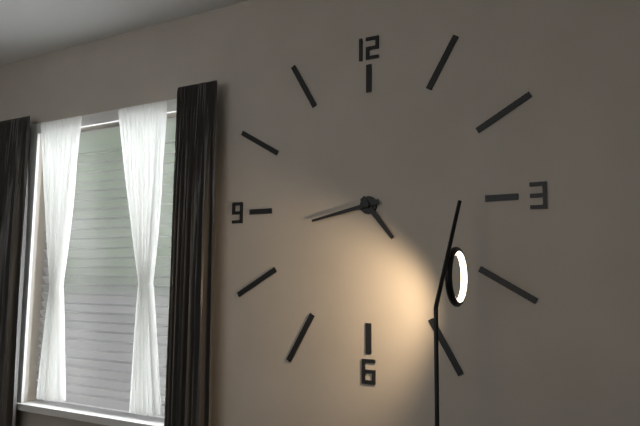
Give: 4:43
